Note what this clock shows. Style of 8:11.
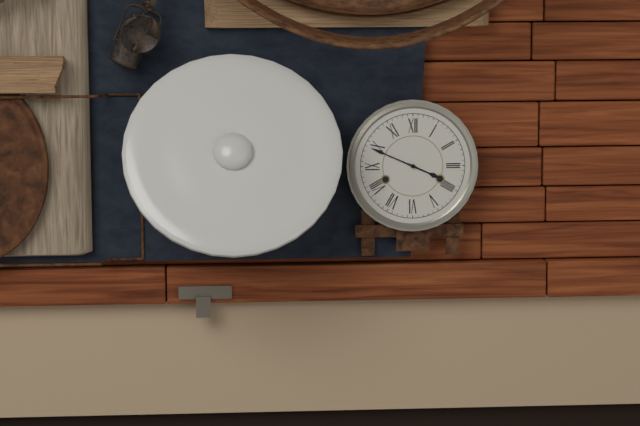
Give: 3:49
